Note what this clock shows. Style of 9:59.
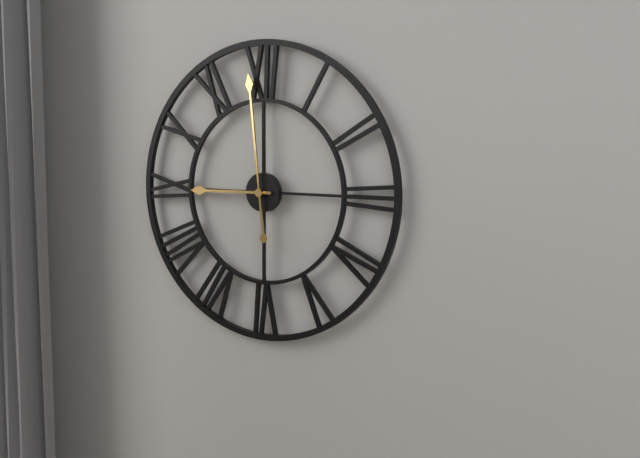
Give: 8:59
